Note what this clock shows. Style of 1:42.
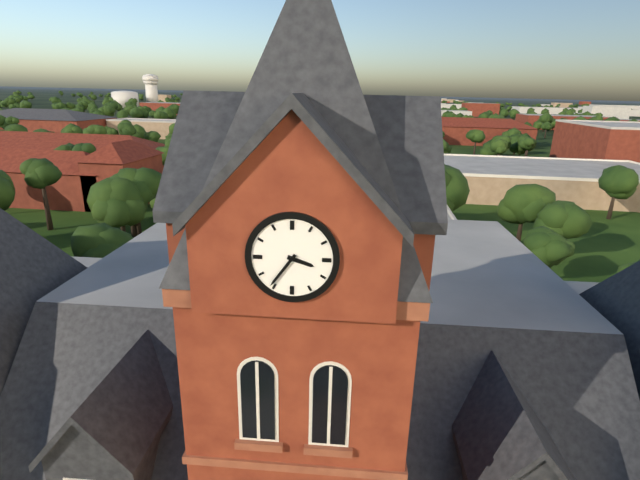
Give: 3:36
